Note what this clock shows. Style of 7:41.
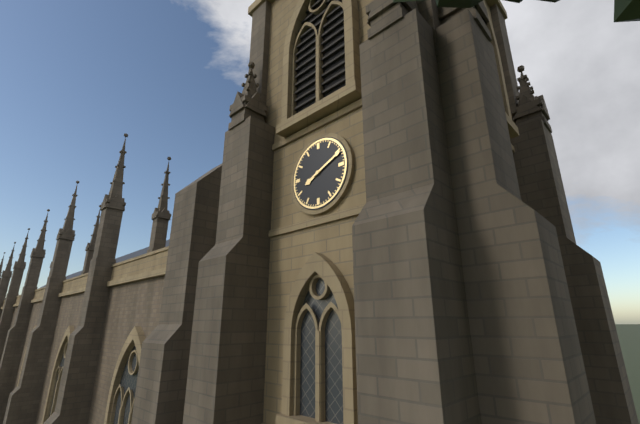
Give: 8:11
